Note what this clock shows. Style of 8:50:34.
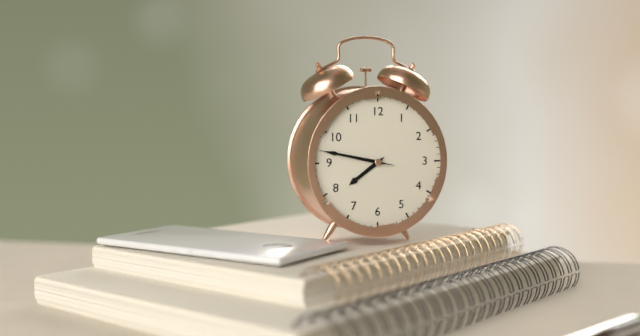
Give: 7:47:47
